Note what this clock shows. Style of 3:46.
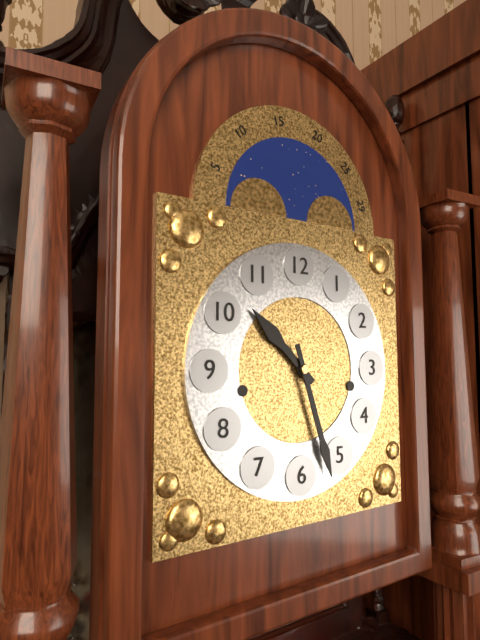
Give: 10:27
